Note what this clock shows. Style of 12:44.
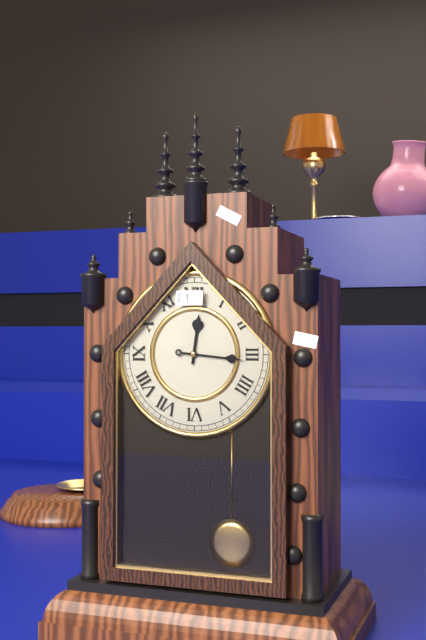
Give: 12:16
